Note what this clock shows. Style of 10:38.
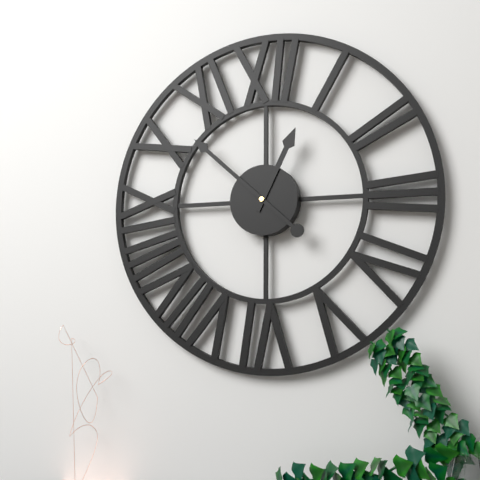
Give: 12:52
